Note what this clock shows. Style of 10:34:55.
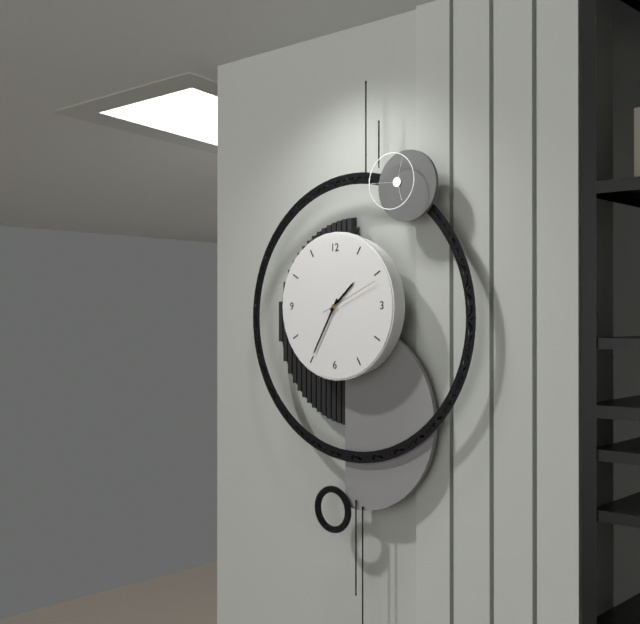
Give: 1:35:11
